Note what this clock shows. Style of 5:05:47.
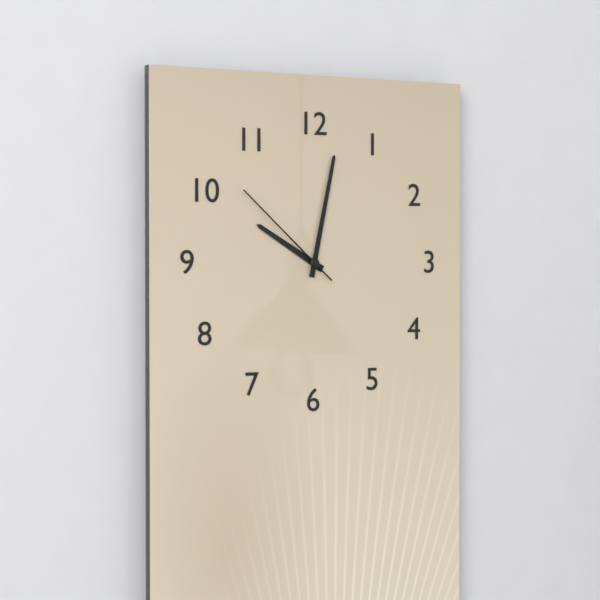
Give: 10:02:52
